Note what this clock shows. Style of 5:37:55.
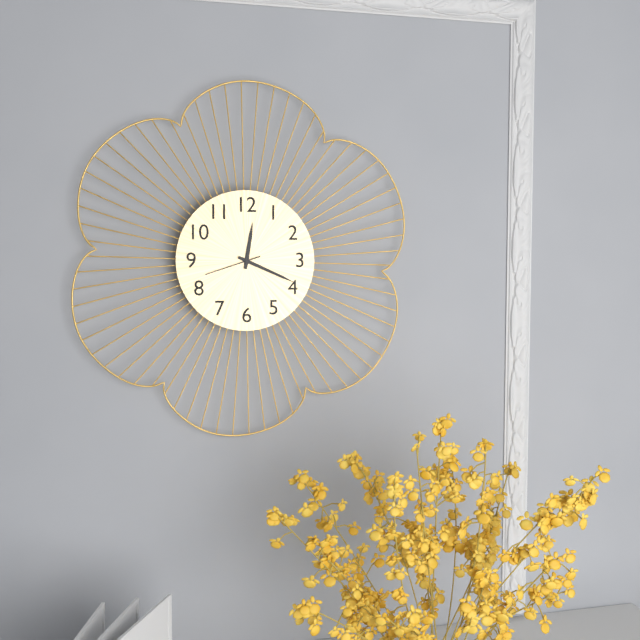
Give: 12:19:42
